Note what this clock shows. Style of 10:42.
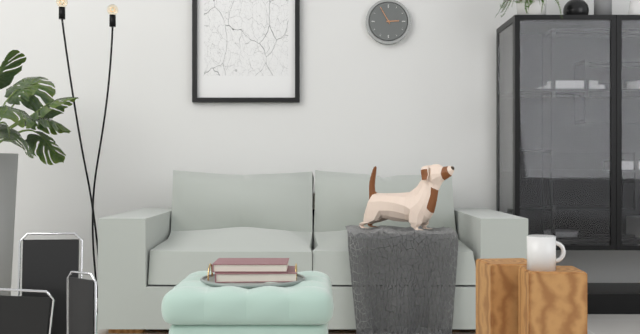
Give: 2:55
